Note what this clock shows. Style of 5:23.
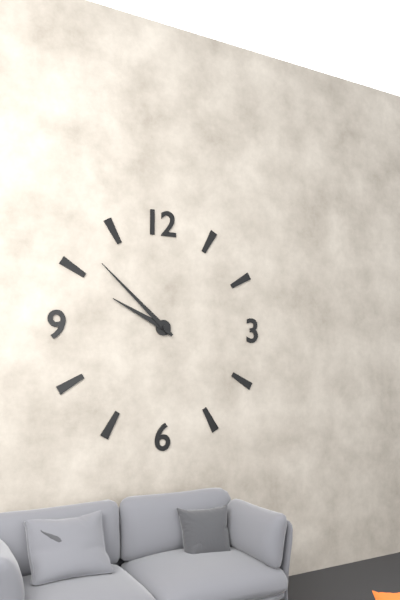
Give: 9:52
